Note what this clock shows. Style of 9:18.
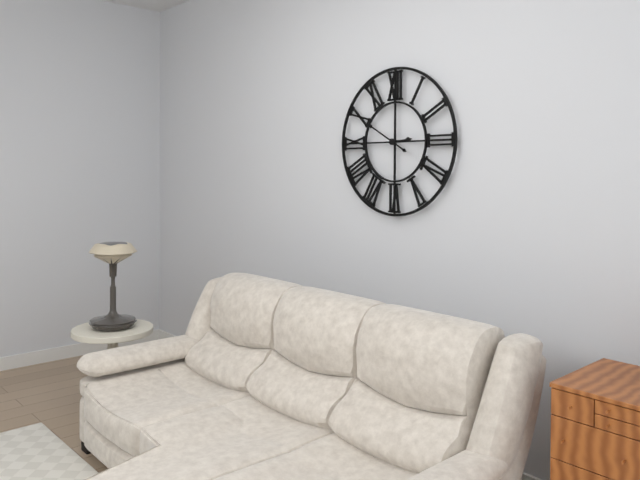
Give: 2:50
